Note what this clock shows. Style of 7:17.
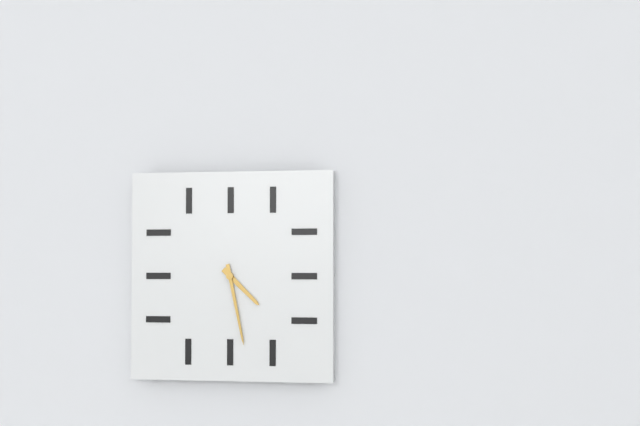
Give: 4:28
